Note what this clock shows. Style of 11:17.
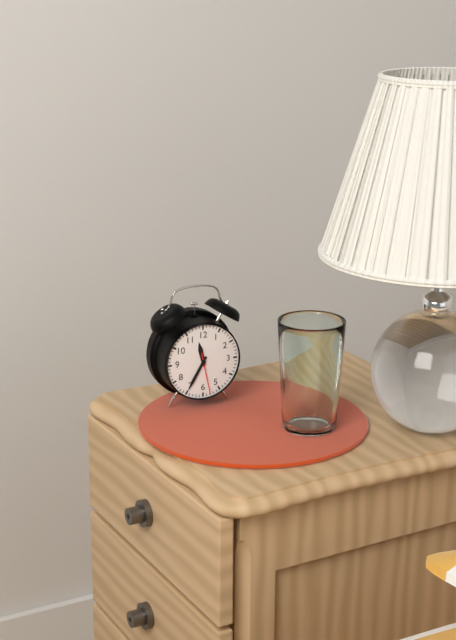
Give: 11:35
